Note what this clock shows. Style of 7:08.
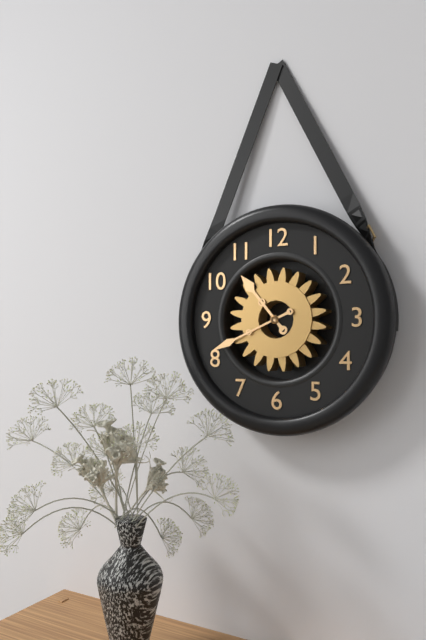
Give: 10:41
